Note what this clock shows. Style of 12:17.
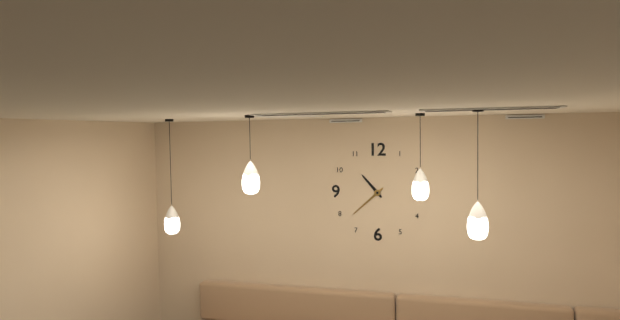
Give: 10:38
